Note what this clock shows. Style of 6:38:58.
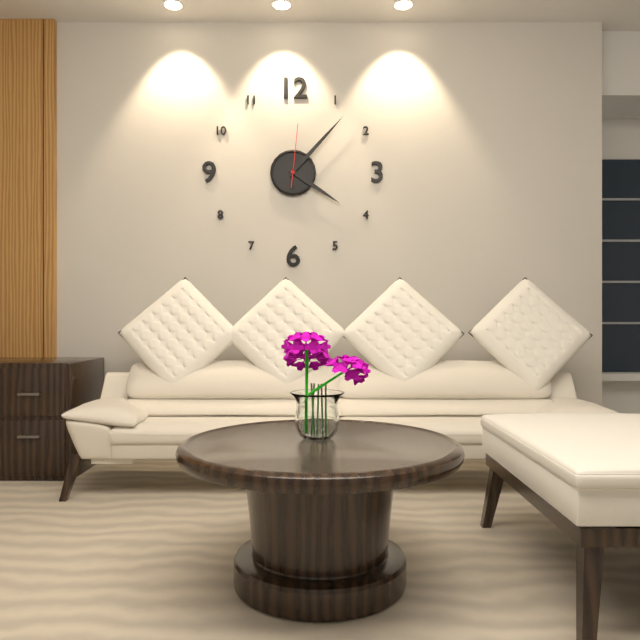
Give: 4:07:01
